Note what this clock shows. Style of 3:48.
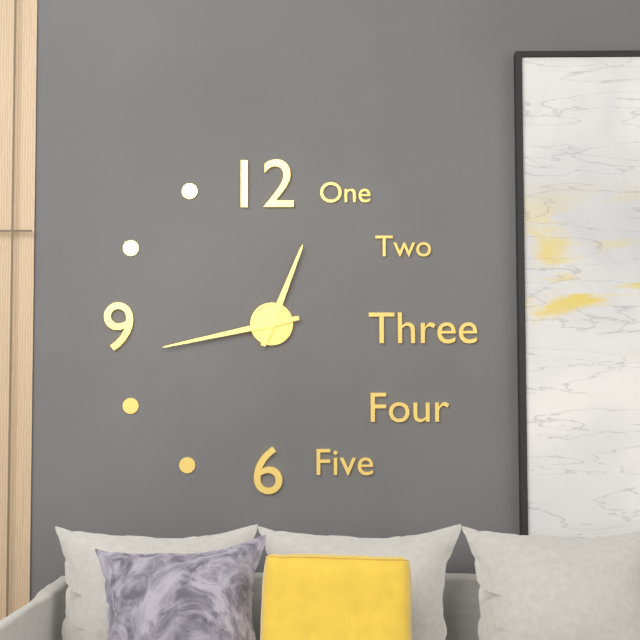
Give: 12:43
